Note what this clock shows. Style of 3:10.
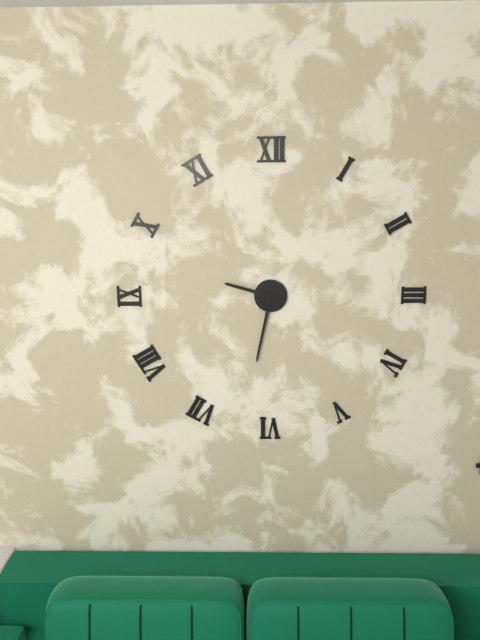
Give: 9:32
